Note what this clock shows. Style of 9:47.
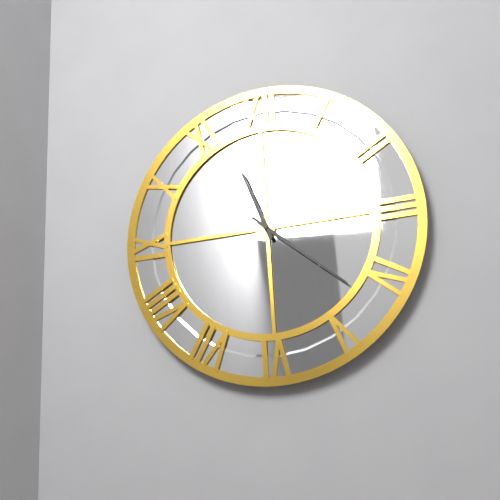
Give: 11:22
